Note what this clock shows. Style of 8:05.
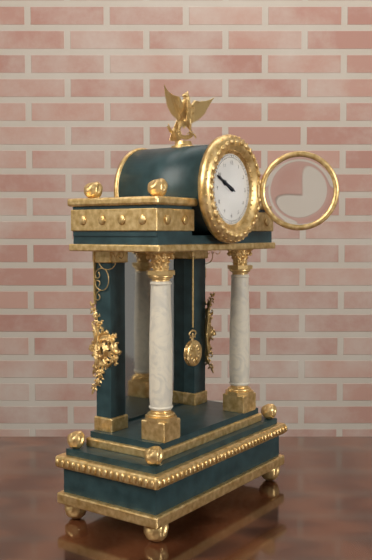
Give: 9:49
